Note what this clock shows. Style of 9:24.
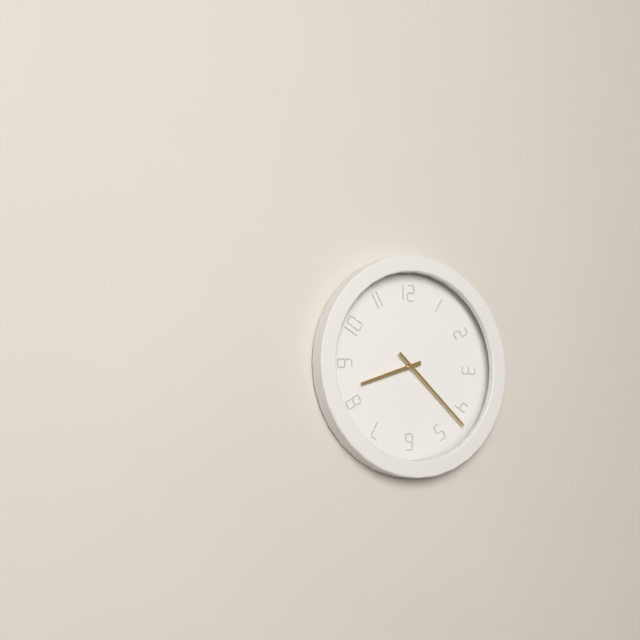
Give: 8:22
